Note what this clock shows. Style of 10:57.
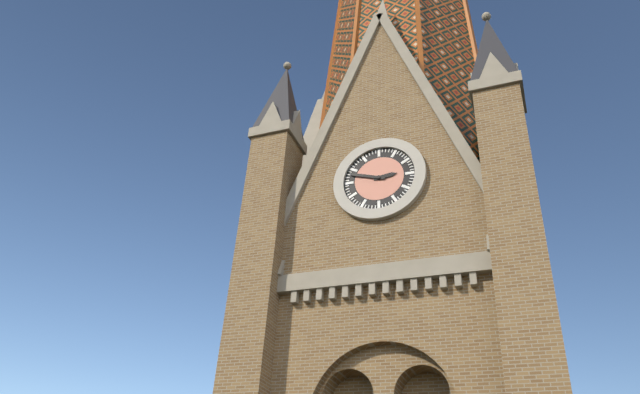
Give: 2:48
